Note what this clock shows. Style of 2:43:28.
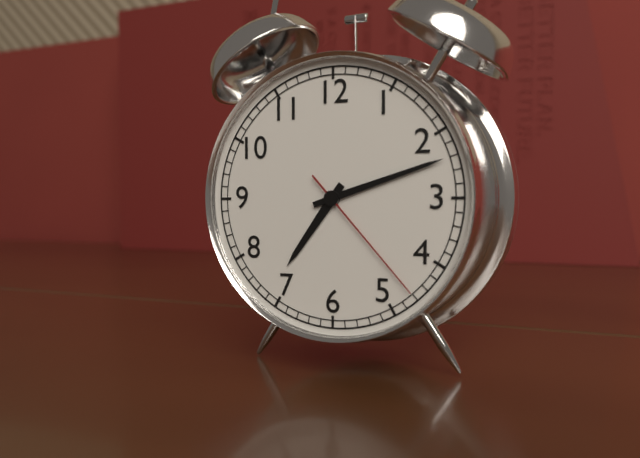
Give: 7:12:23
